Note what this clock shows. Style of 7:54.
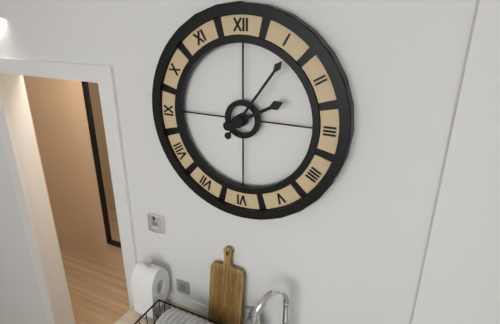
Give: 2:06
